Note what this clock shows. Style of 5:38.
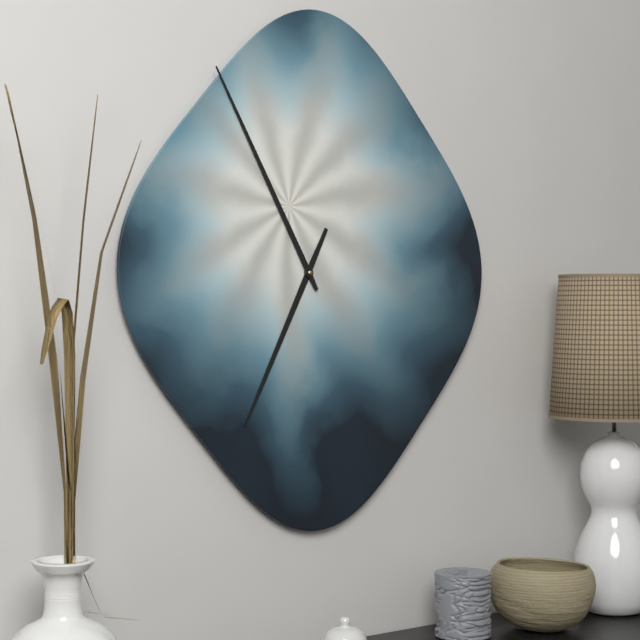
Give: 6:55
